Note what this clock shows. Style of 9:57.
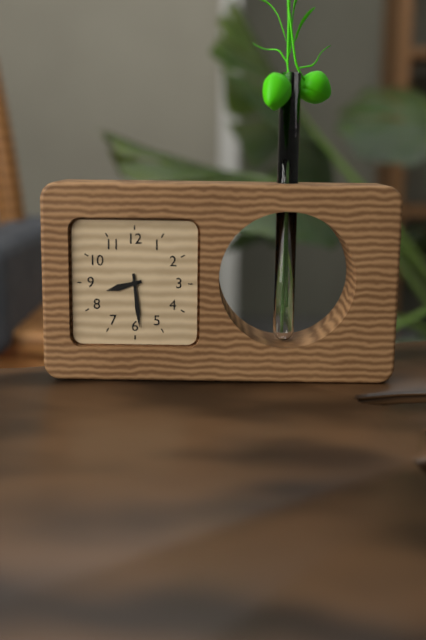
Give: 8:29
